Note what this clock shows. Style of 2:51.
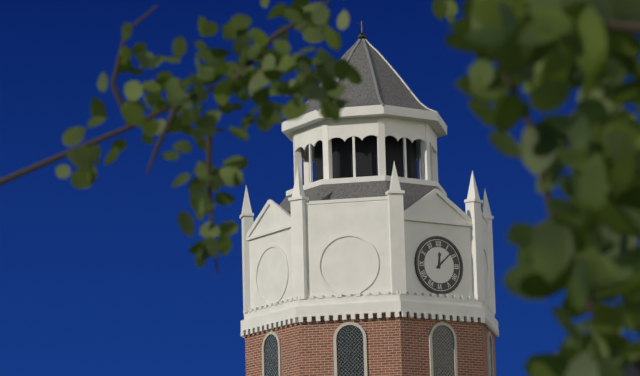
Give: 12:08
